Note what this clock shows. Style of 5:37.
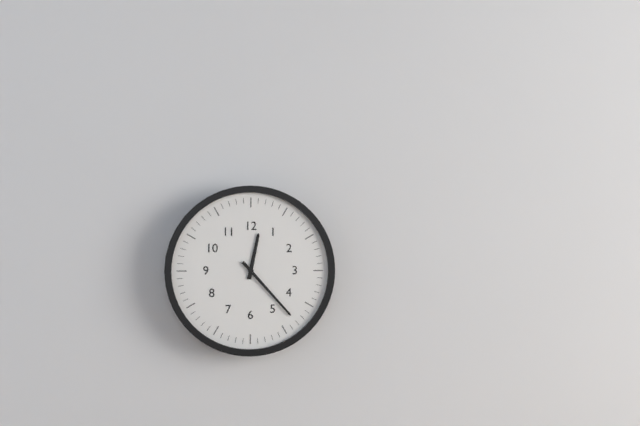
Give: 12:23
